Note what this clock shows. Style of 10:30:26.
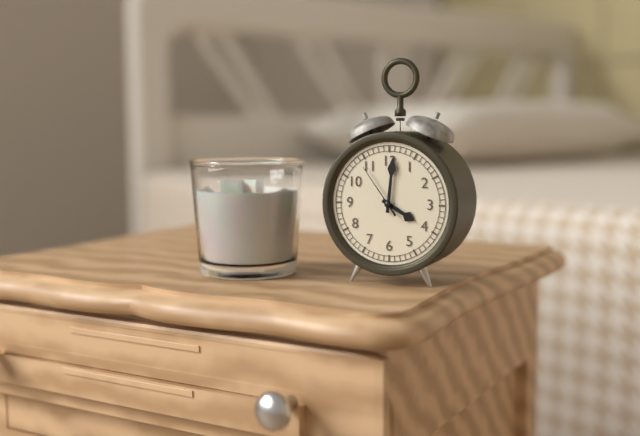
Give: 4:01:54
